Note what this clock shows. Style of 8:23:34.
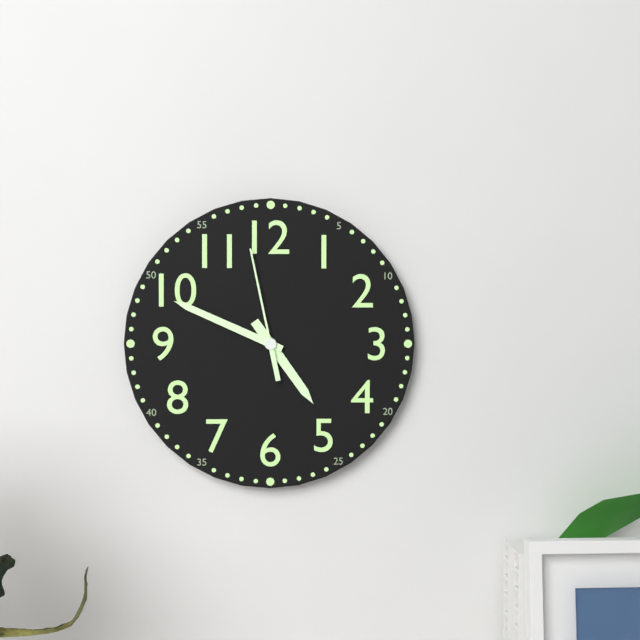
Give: 4:49:58
